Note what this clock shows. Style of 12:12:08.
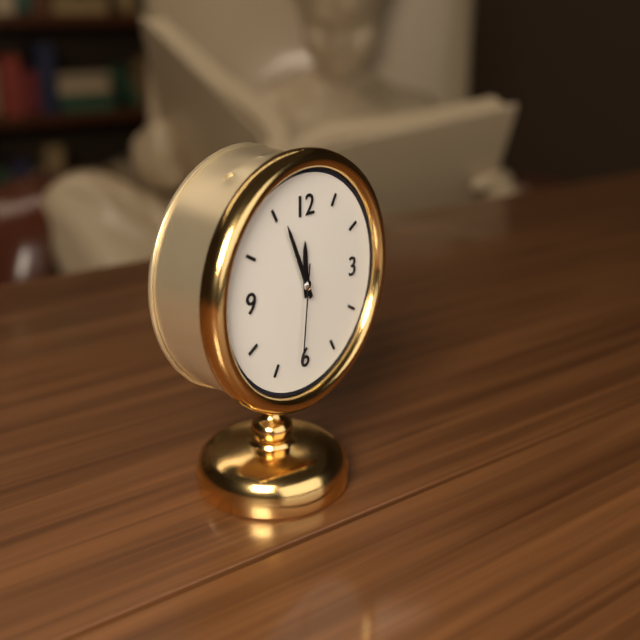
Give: 11:56:31
